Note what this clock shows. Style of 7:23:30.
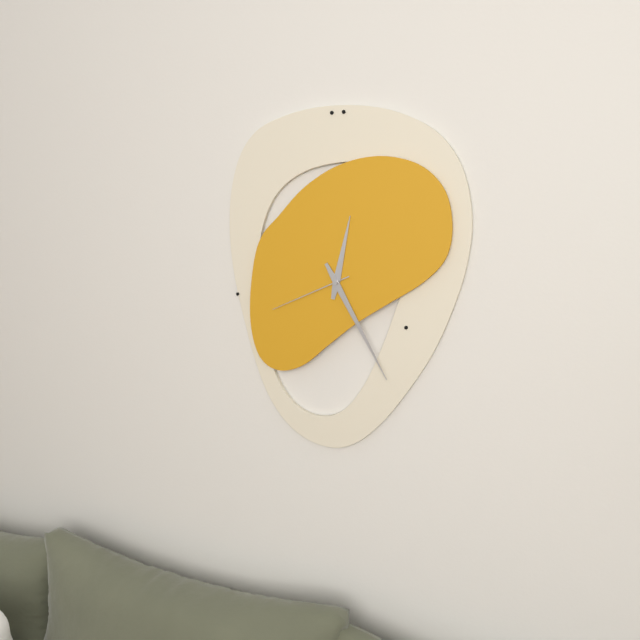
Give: 12:25:41
